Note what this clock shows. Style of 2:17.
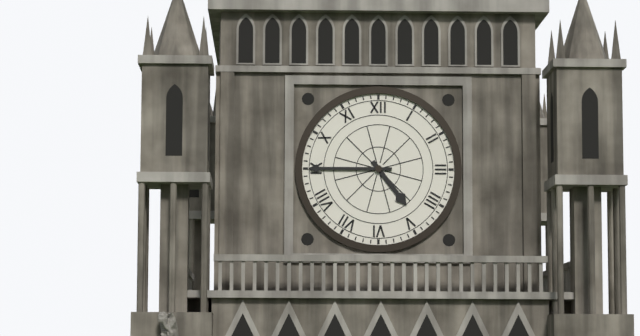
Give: 4:45
